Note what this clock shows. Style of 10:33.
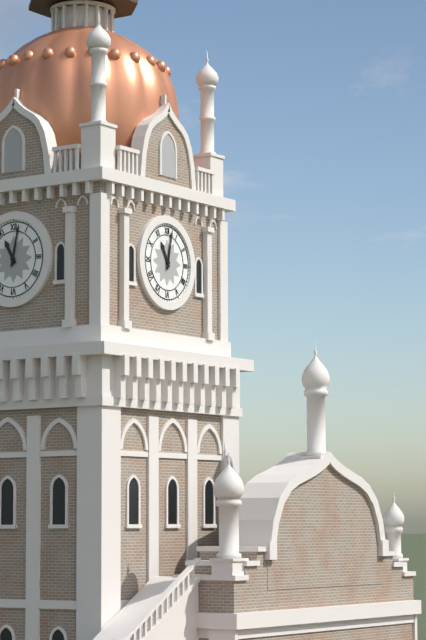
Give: 11:02
